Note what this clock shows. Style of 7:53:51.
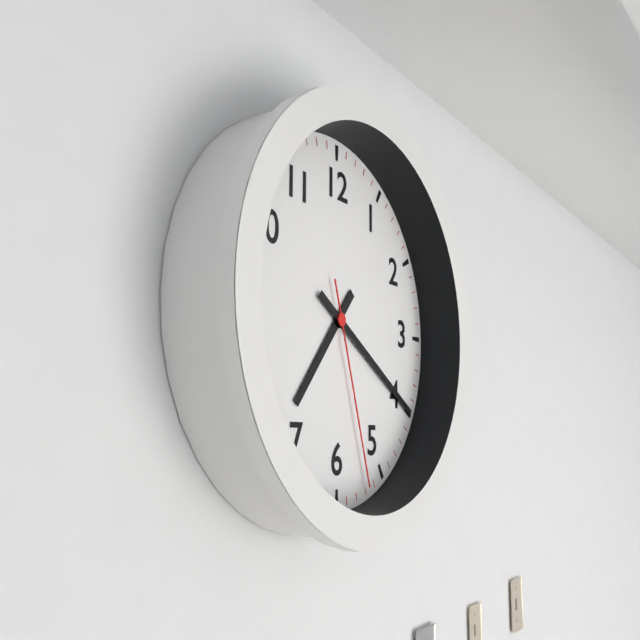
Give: 7:20:27
